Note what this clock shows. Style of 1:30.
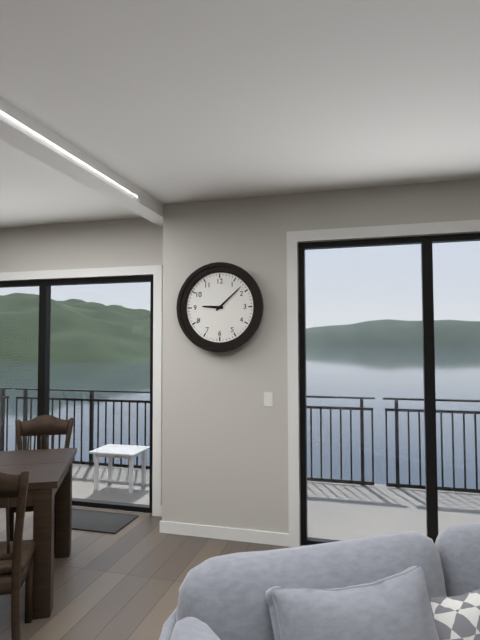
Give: 9:08
